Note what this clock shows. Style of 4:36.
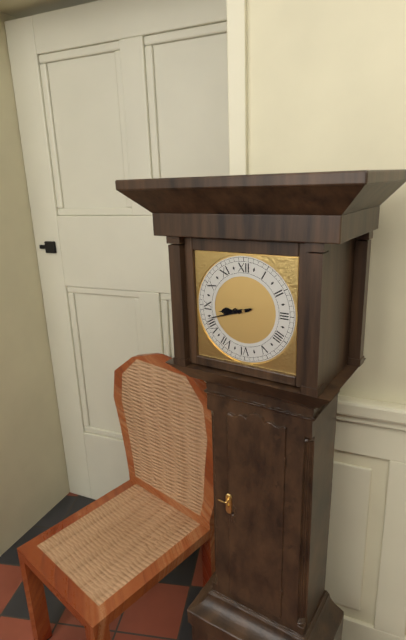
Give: 8:42
